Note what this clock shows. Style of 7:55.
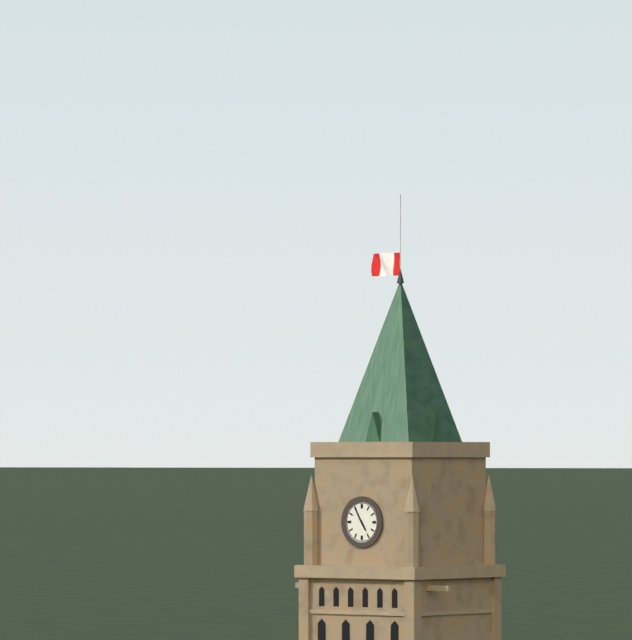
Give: 4:55
